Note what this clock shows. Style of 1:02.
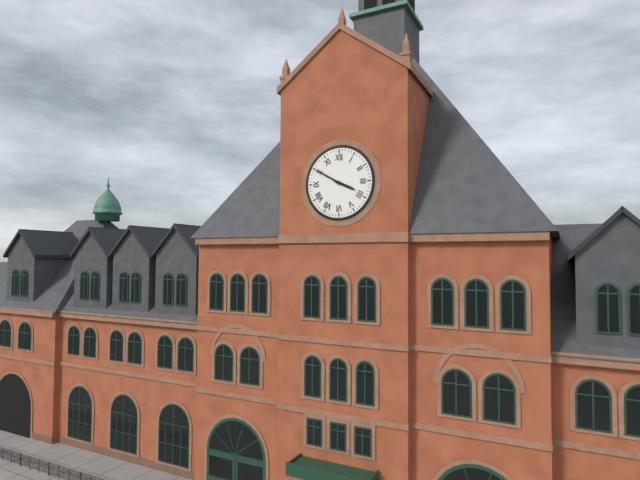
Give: 3:50
